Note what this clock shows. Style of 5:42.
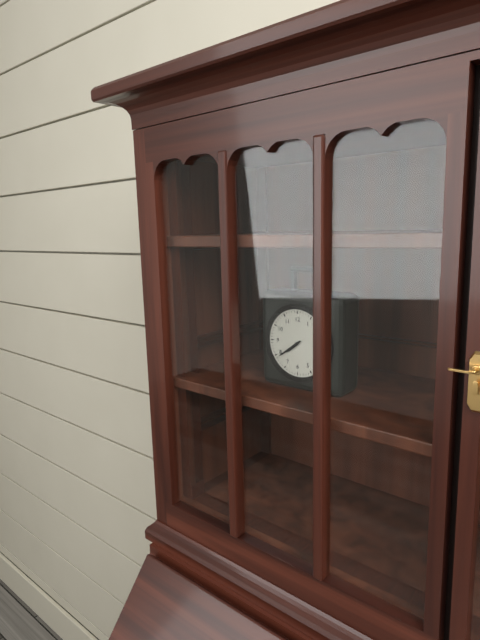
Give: 7:39
